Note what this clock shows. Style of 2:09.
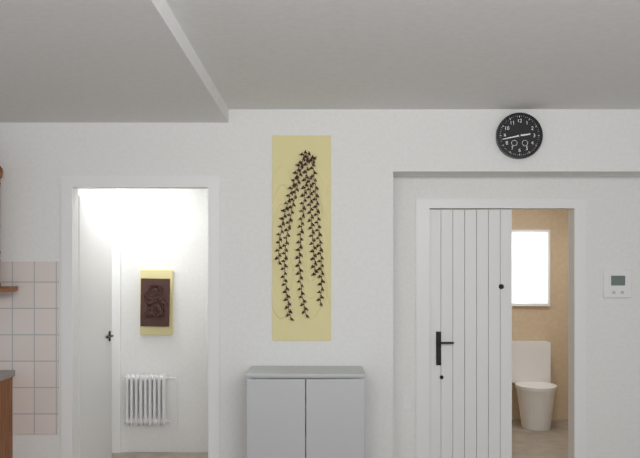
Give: 2:43
